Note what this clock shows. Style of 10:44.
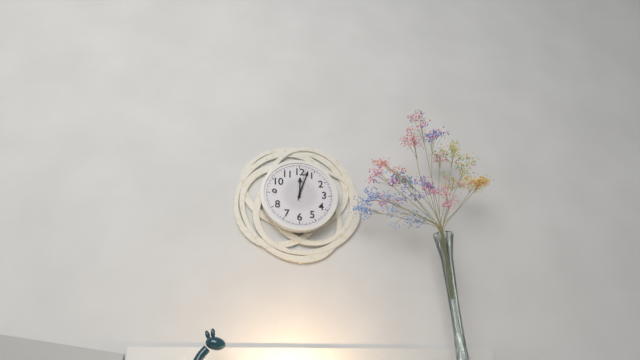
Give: 12:03
